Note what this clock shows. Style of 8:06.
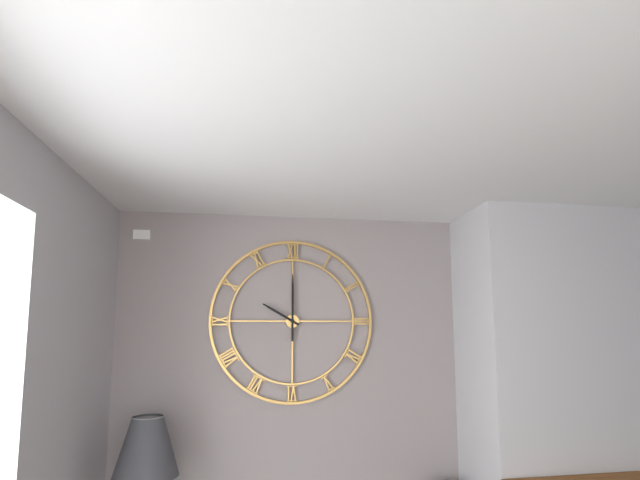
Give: 10:00
